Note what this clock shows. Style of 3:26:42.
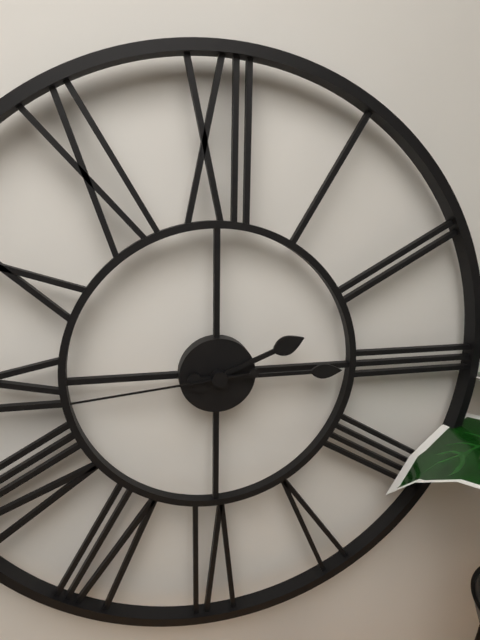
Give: 2:15:44
